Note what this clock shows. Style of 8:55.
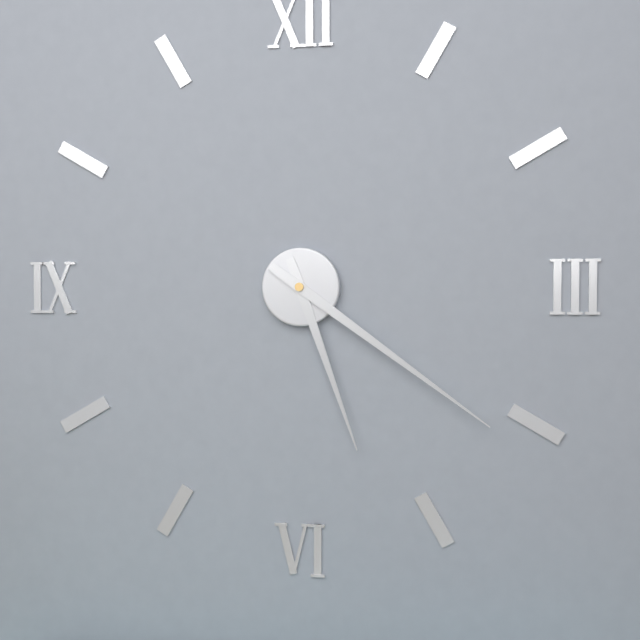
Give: 5:21
